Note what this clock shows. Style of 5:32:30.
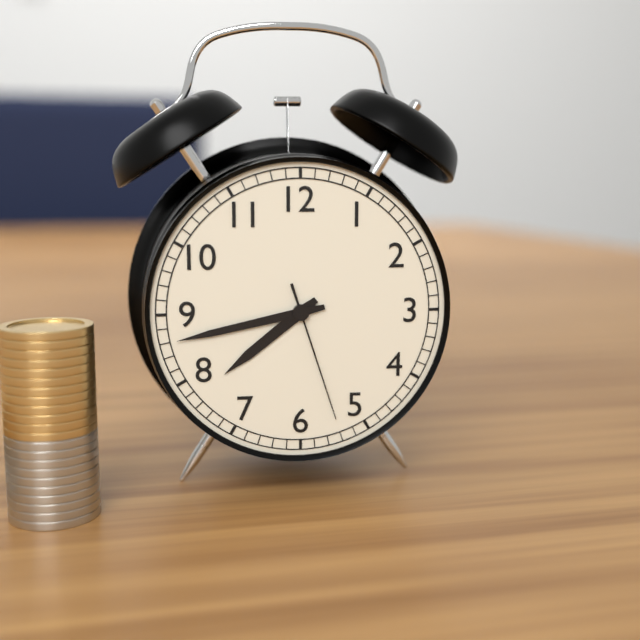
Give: 7:43:27
